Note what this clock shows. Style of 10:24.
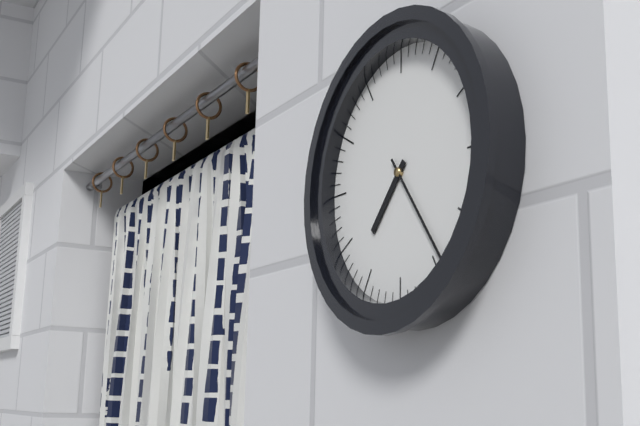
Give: 7:24
